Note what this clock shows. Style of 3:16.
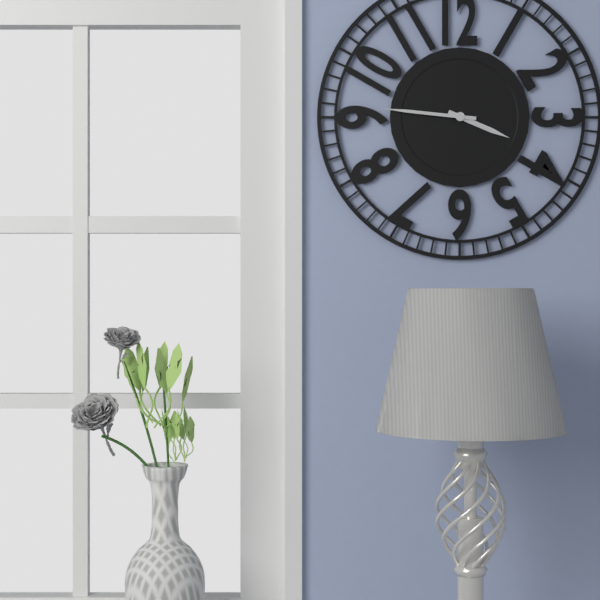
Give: 3:46
